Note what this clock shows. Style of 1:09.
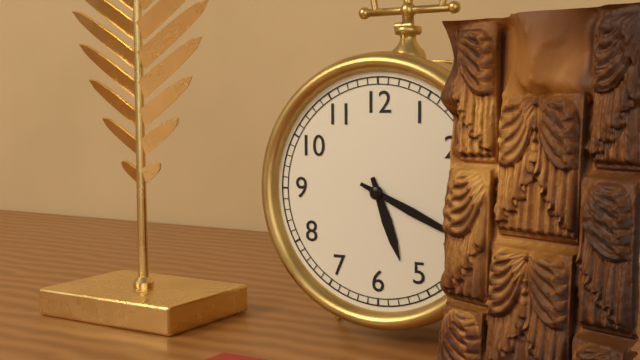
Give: 5:19
